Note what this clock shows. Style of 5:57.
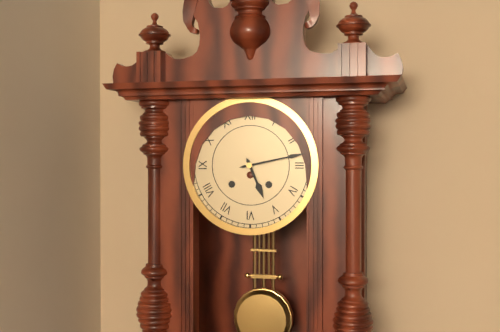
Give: 5:13
